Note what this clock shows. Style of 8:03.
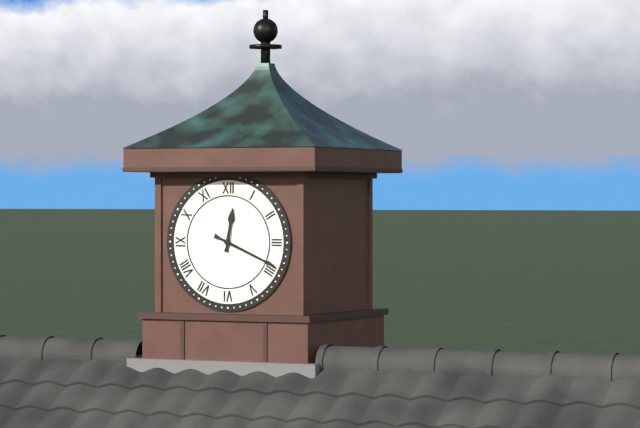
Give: 12:19
